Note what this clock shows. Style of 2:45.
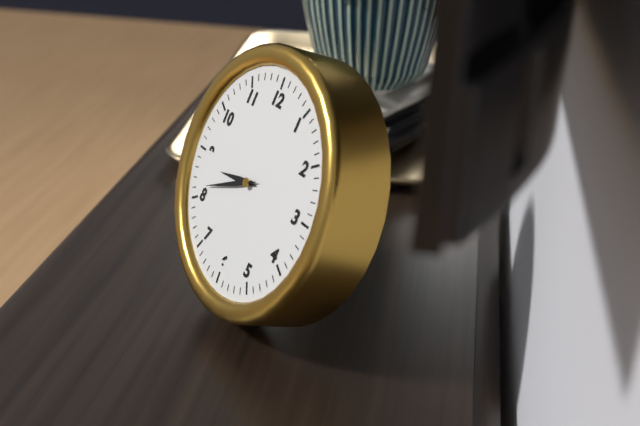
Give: 8:41
